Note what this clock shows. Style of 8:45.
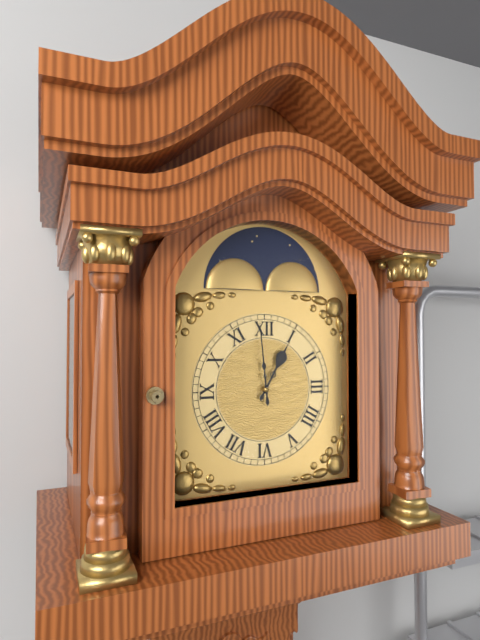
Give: 12:59
